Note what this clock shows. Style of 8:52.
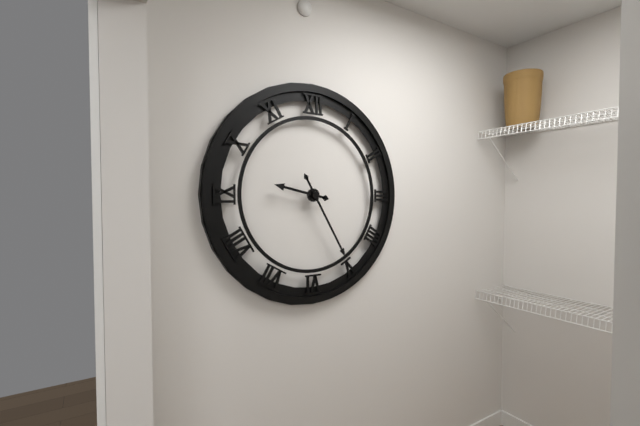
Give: 9:25
